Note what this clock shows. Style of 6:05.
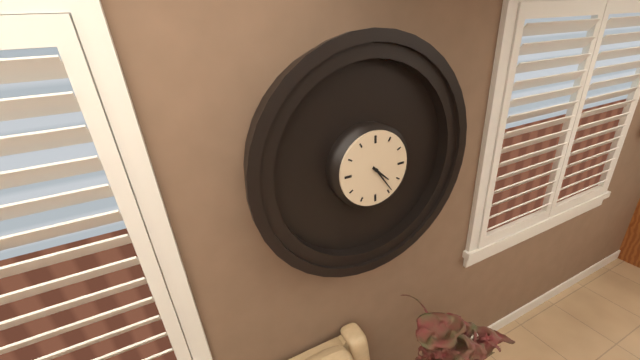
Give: 4:24
